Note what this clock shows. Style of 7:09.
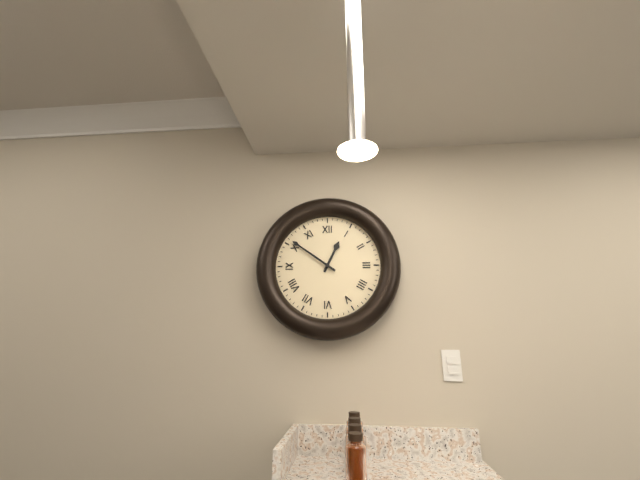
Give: 12:51
